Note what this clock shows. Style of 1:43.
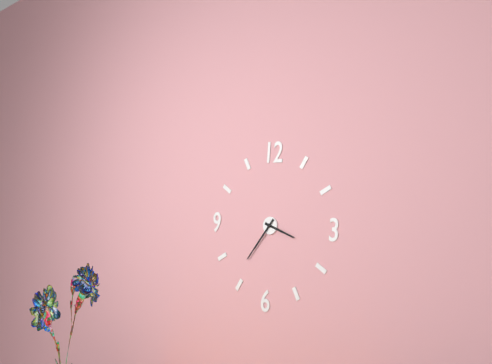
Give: 3:36
